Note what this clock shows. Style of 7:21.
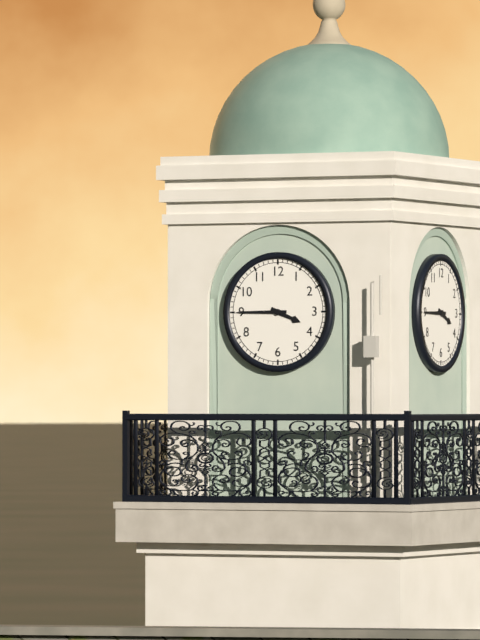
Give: 3:45
